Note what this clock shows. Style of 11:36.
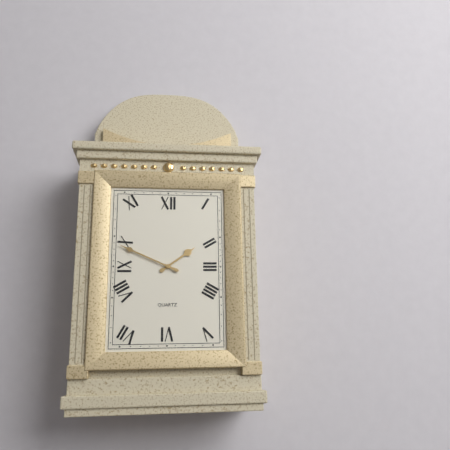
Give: 1:49
